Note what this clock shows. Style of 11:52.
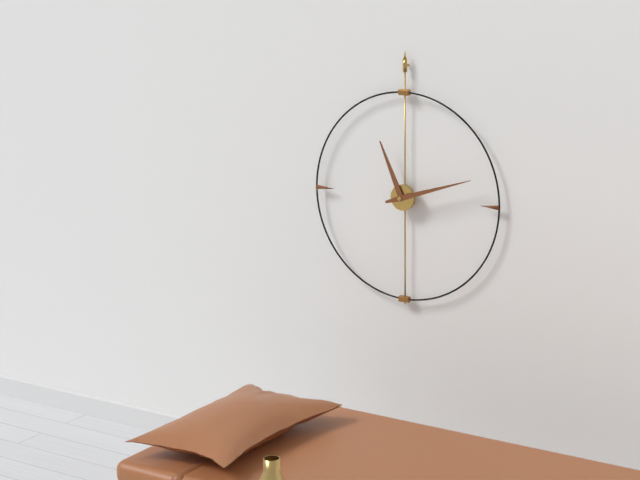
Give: 11:12
